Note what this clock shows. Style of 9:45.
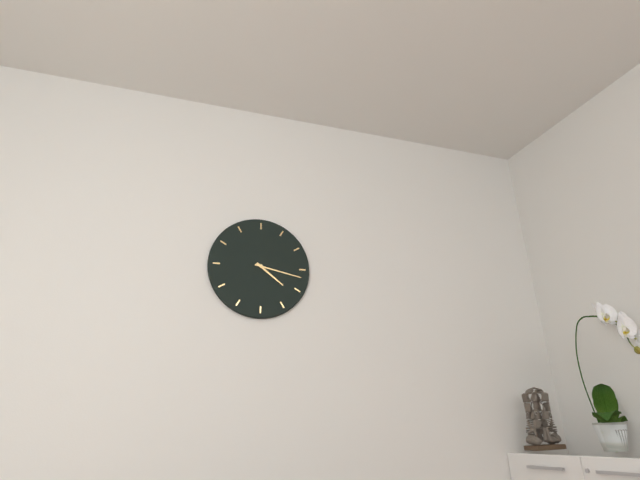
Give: 4:17
